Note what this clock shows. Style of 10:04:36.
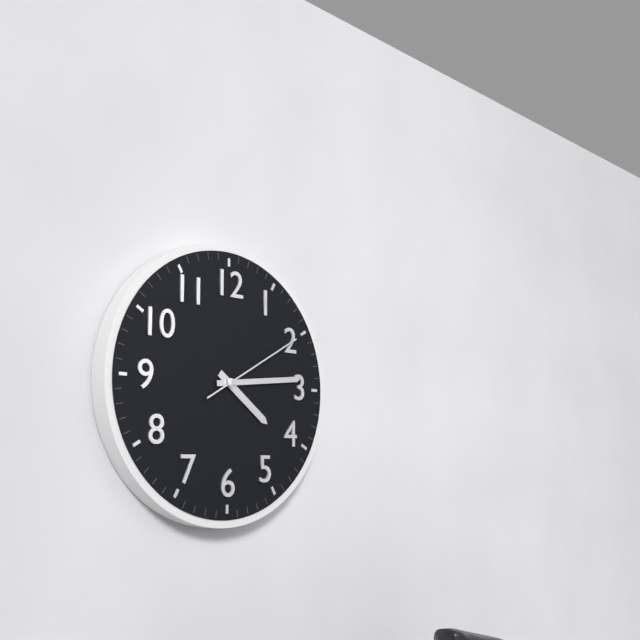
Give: 4:14:10
